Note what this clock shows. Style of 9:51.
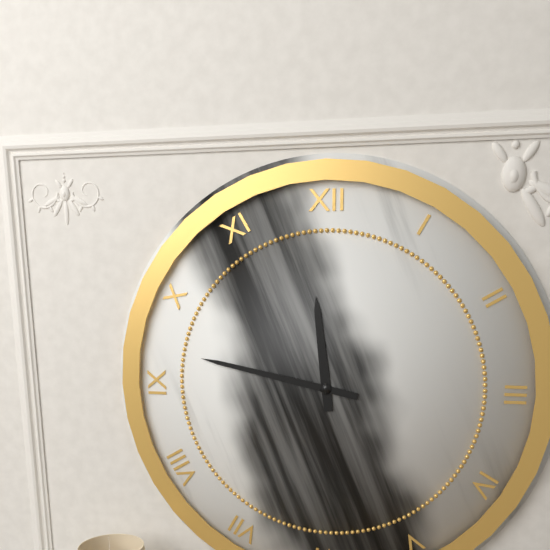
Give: 11:47
